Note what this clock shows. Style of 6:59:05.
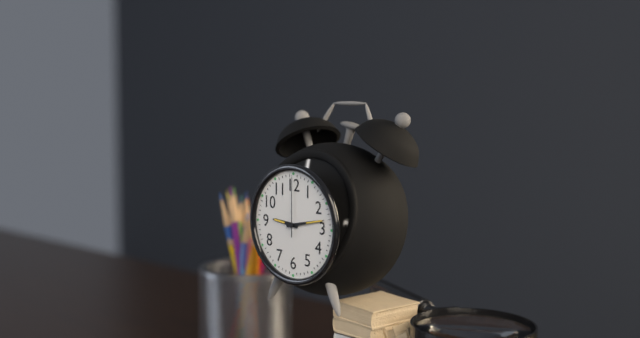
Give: 9:13:00
